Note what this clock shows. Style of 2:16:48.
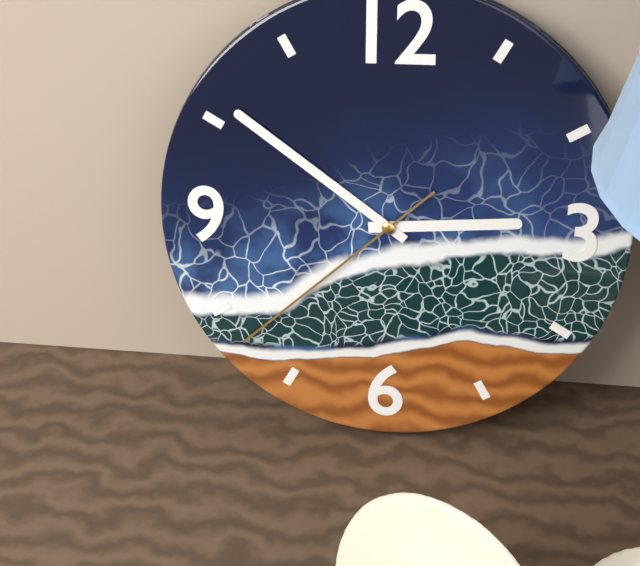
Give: 2:51:38
